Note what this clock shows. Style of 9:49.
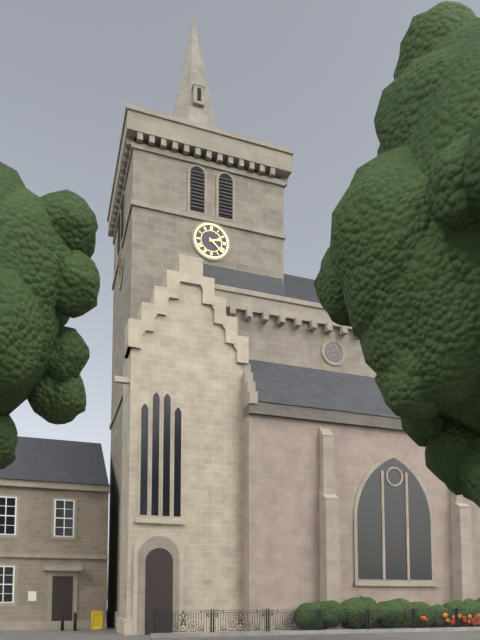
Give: 2:22
